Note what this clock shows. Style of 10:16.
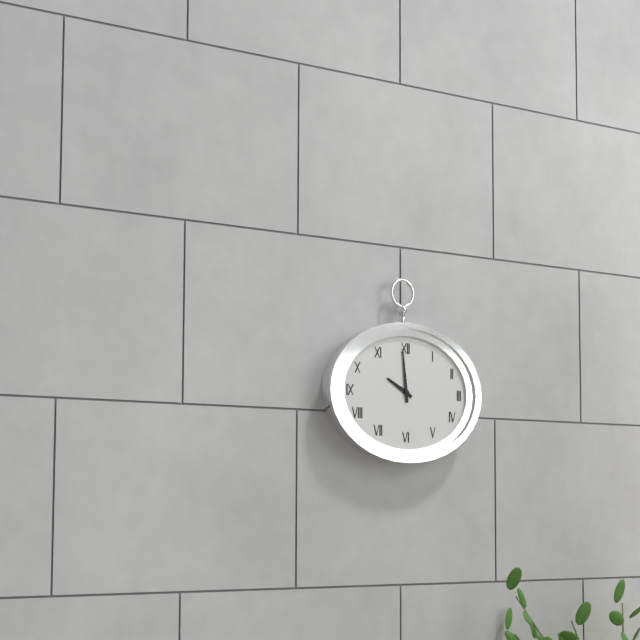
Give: 9:59
